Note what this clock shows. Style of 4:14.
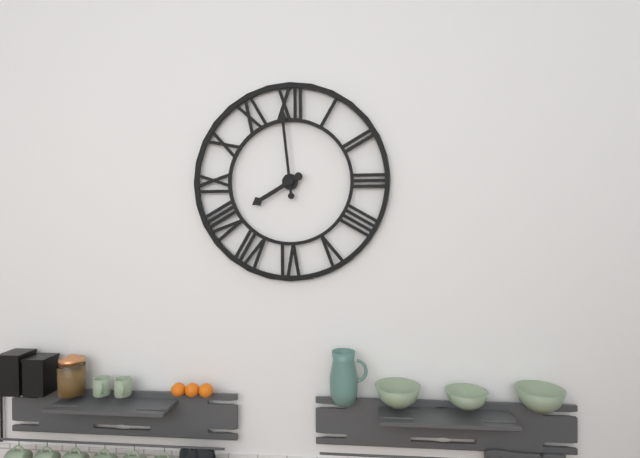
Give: 7:59
